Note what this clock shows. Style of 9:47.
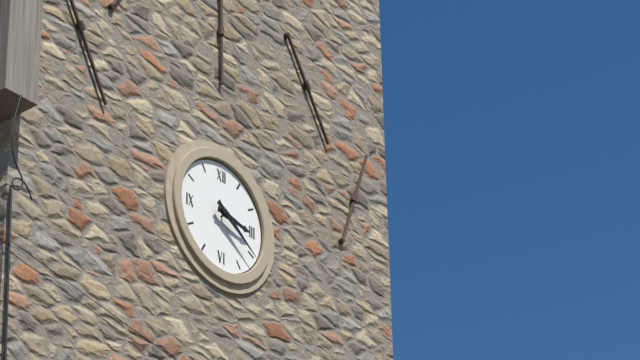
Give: 3:21
